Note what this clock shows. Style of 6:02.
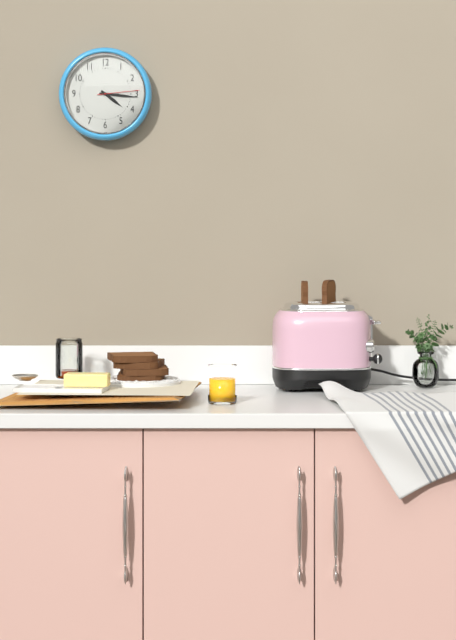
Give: 4:16
